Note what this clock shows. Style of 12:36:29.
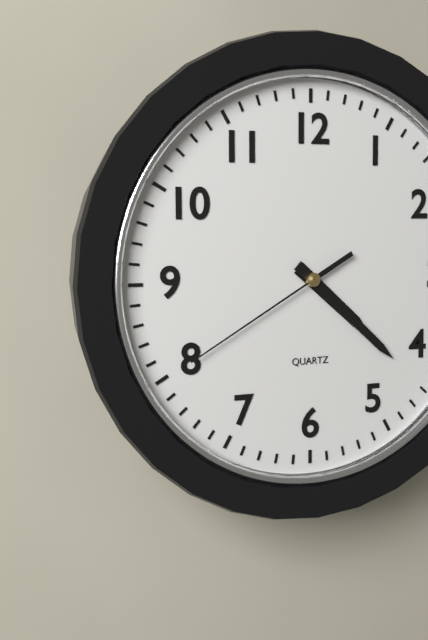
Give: 4:22:40
